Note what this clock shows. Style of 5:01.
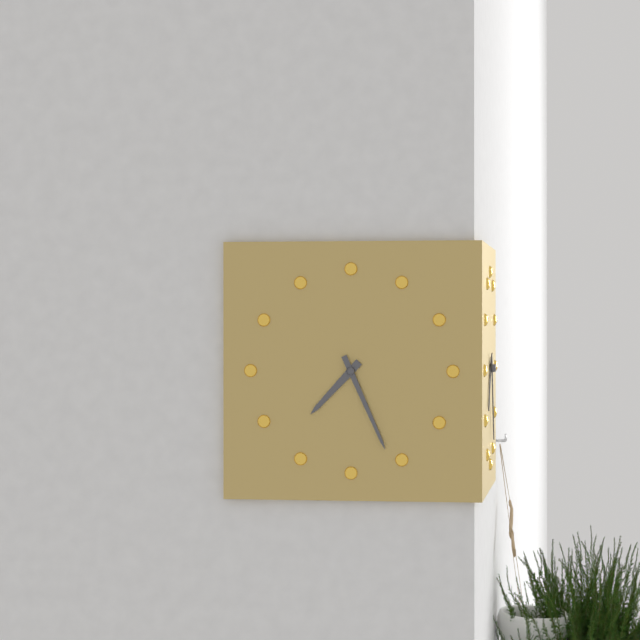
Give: 7:26
